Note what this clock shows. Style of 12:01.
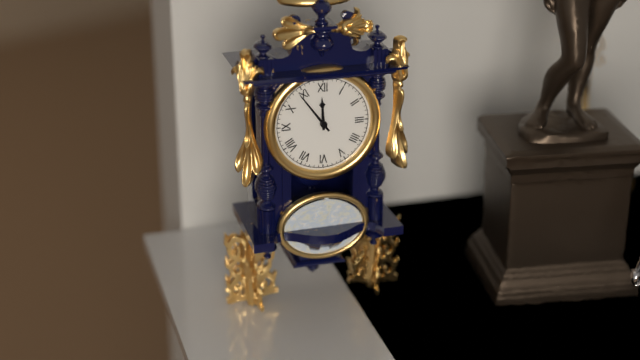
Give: 11:54
